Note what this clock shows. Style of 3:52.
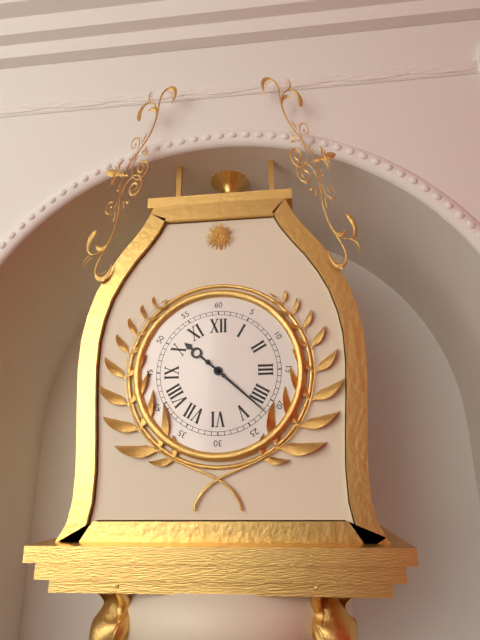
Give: 10:22
